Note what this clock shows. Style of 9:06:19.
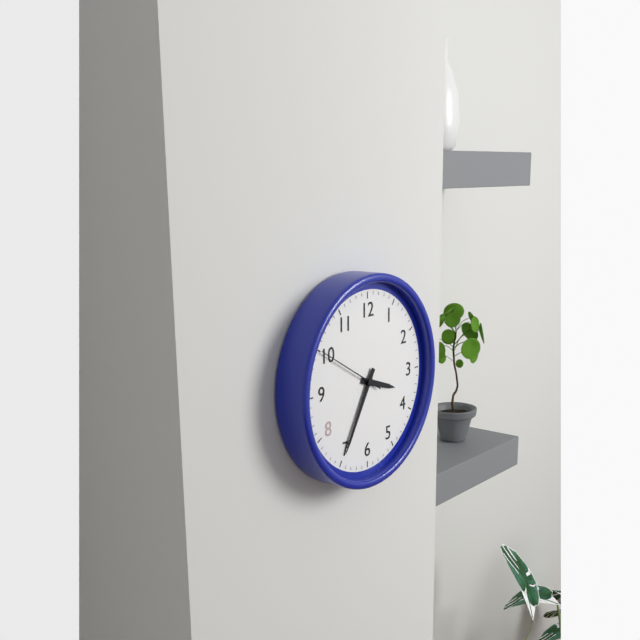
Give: 3:35:50
